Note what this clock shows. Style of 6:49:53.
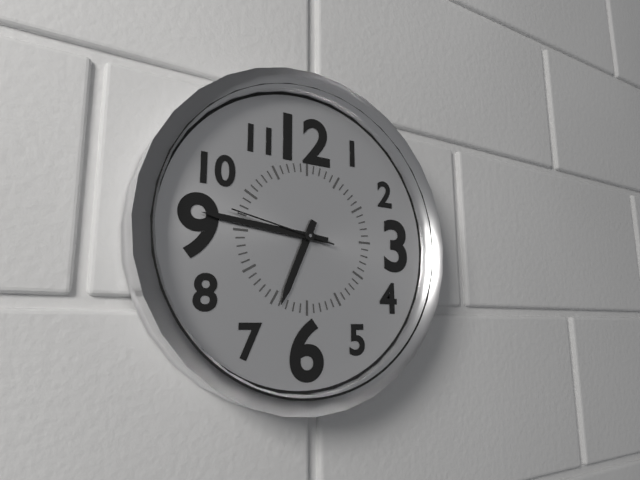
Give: 6:46:47
